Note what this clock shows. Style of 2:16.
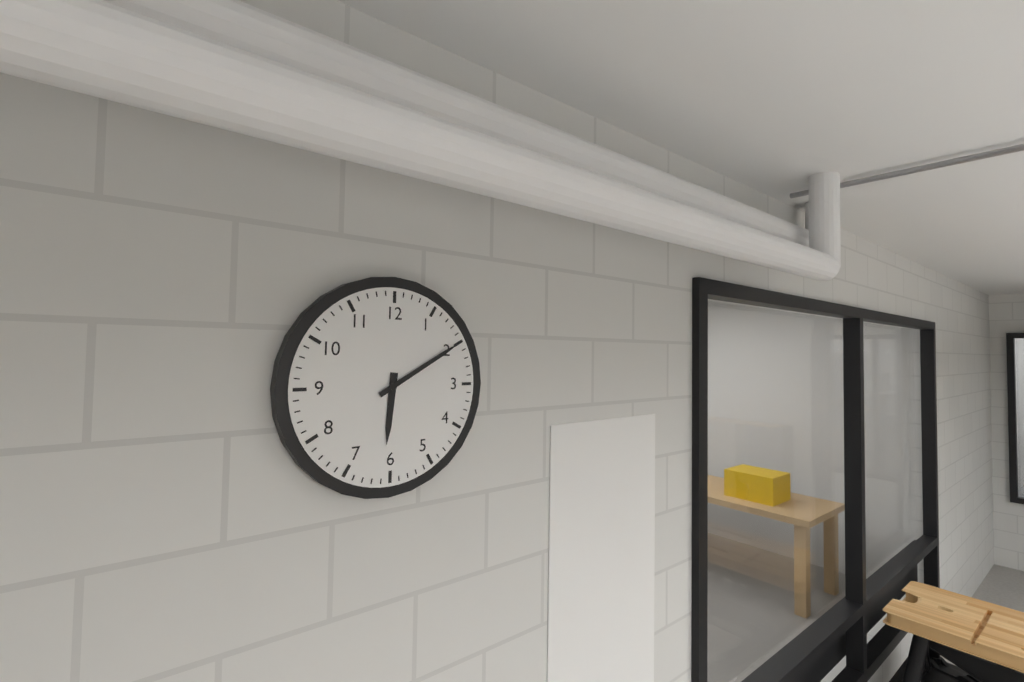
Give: 6:10
